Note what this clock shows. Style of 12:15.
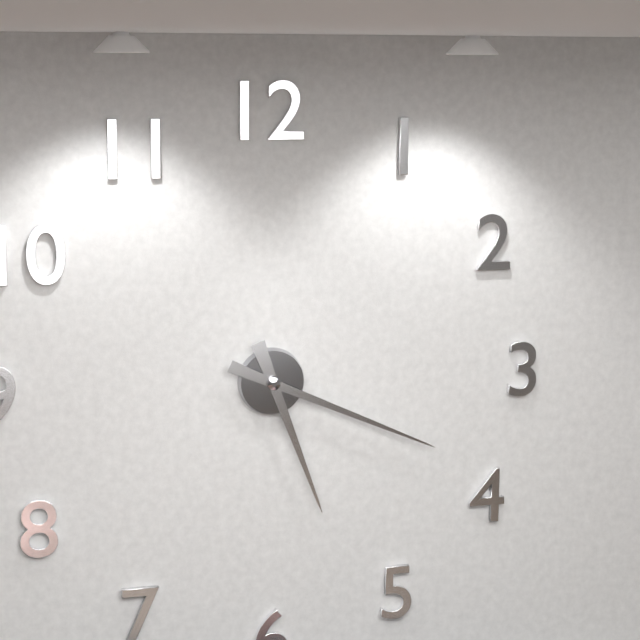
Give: 5:19
